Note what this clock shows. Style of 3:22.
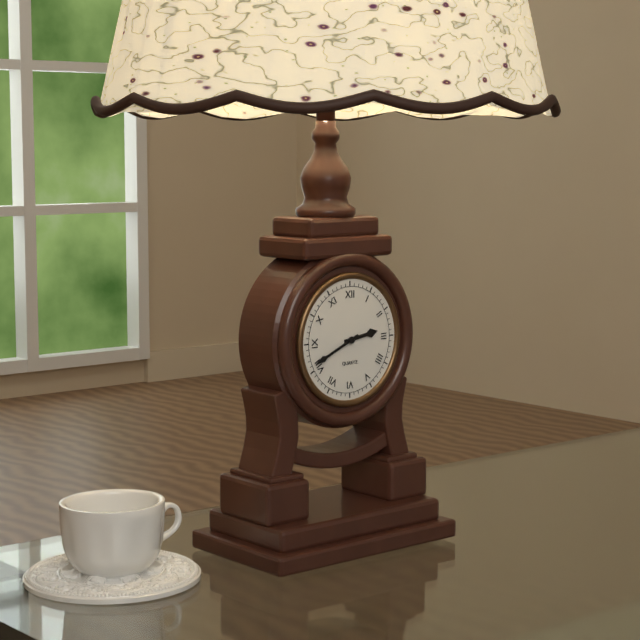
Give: 2:41
